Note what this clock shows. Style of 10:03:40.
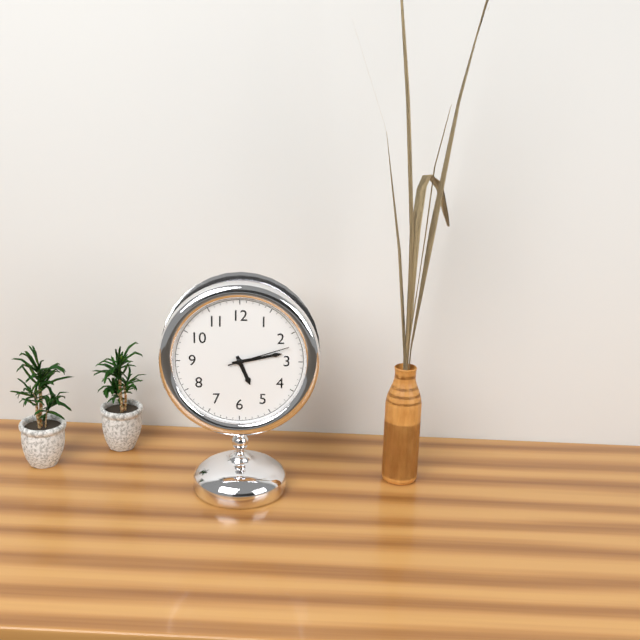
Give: 5:13:12
